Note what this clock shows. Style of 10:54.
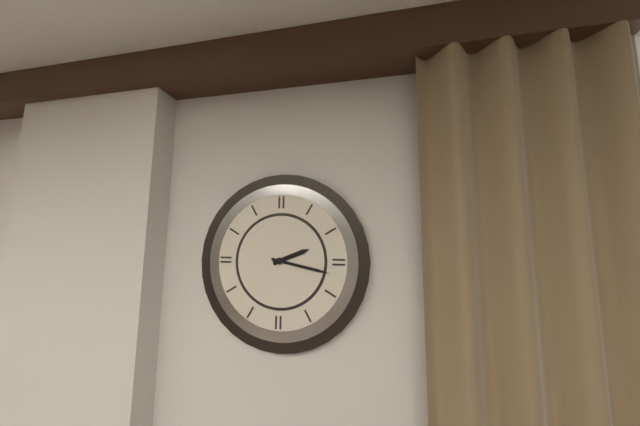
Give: 2:17
